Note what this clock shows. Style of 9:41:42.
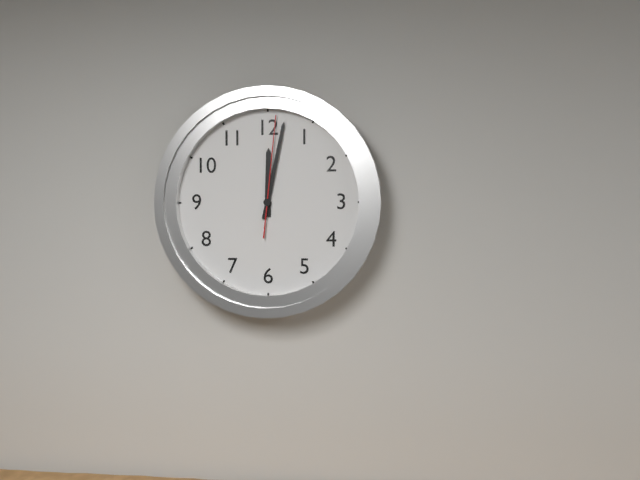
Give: 12:02:01
